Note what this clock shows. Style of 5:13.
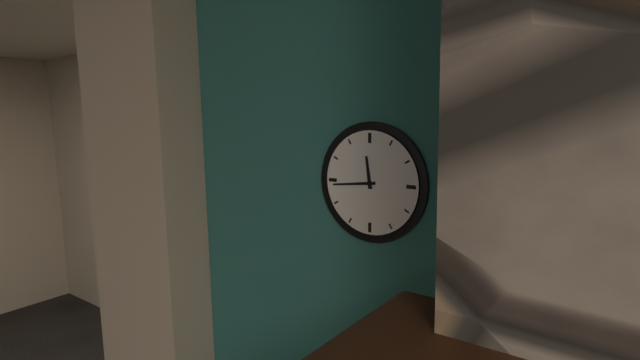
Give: 11:44
